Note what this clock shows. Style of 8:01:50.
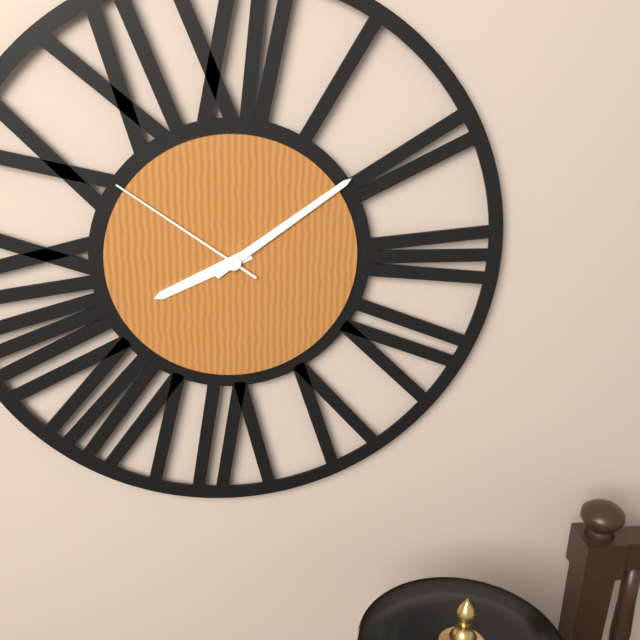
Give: 8:09:51
